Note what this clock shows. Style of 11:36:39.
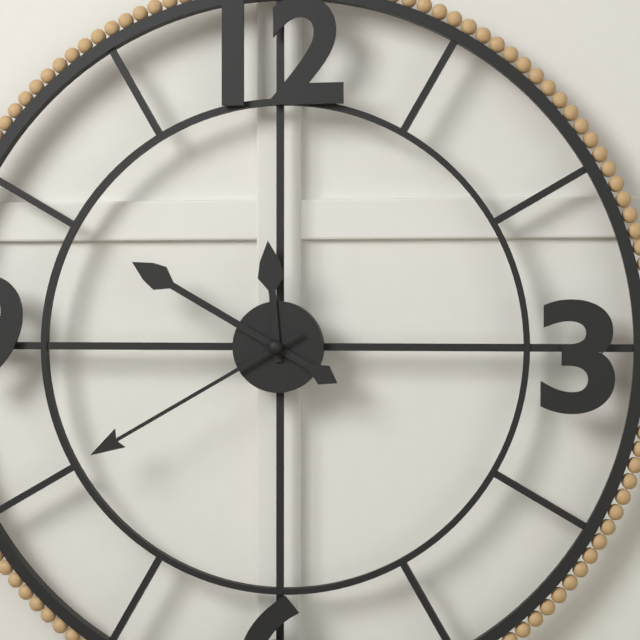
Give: 11:50:40
